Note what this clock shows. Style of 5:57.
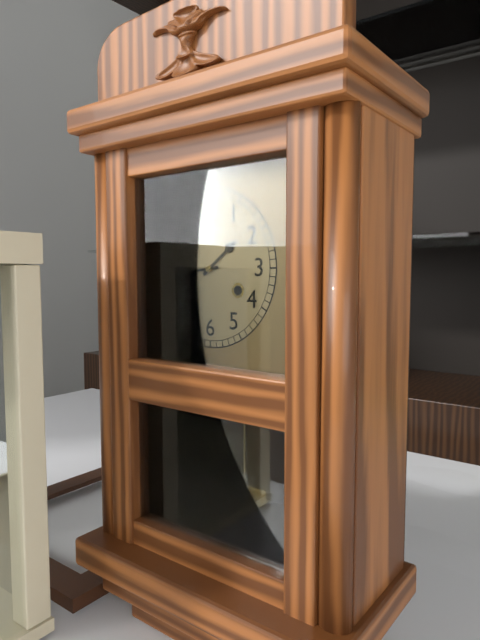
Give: 1:44
